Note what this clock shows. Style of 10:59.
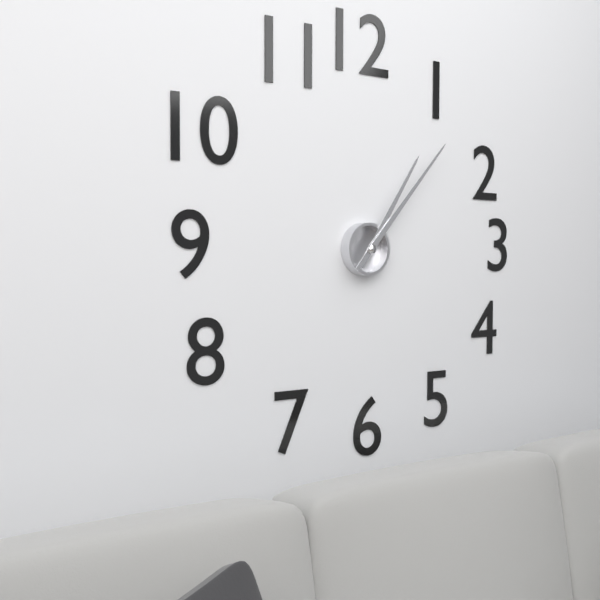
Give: 1:07
